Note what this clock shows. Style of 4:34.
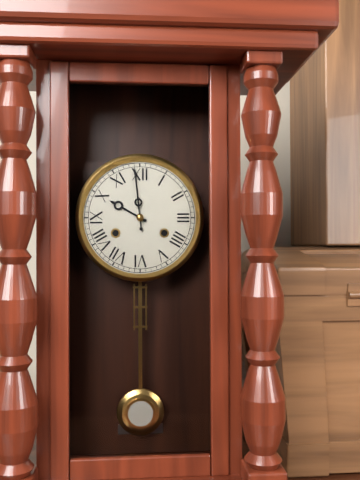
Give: 9:59
